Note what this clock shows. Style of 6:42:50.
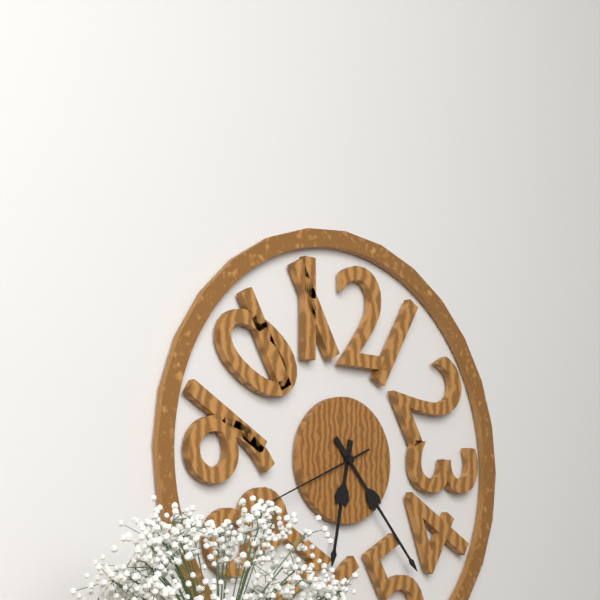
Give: 6:23:41
